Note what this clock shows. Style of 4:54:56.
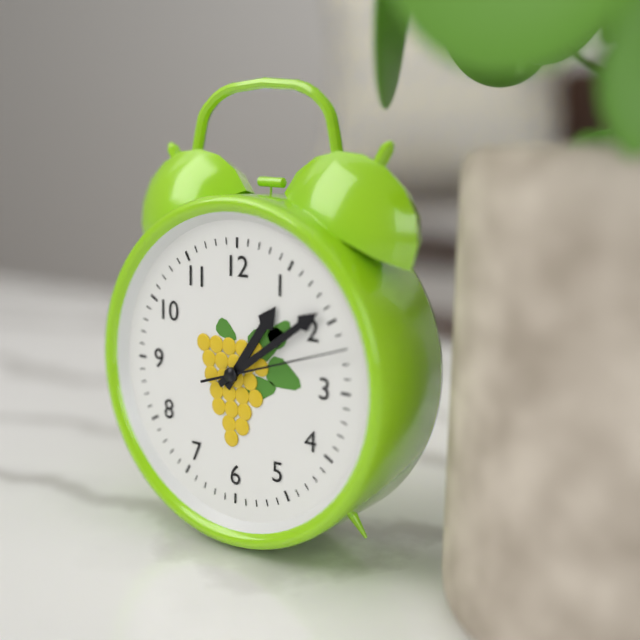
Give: 1:09:12
